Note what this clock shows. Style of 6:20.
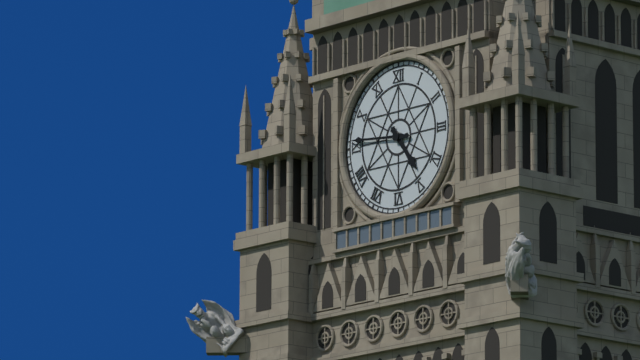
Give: 4:46
